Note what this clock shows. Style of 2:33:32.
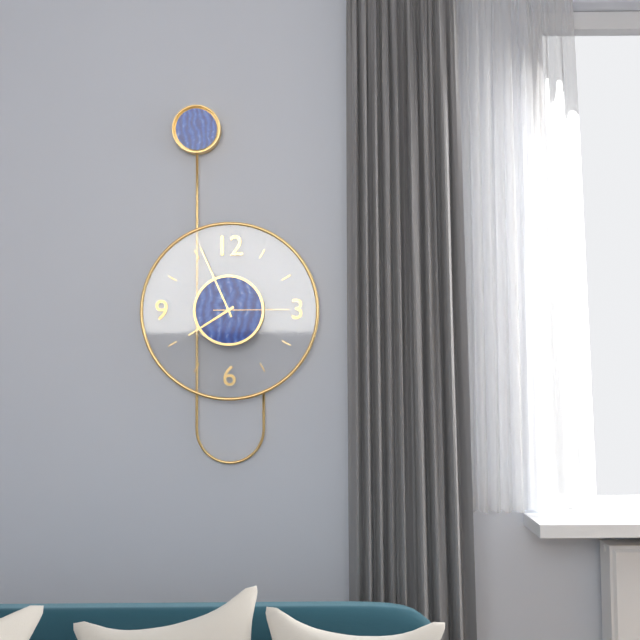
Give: 7:56:15
